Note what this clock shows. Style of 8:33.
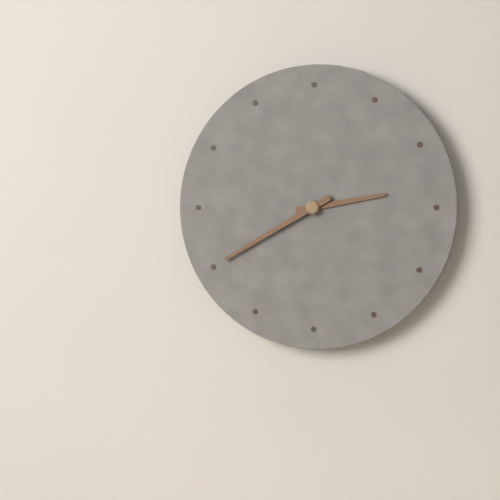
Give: 2:40
